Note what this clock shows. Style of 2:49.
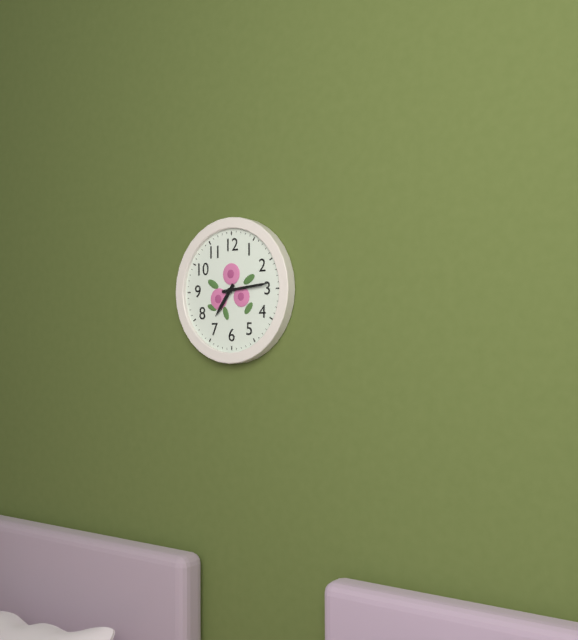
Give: 7:14
